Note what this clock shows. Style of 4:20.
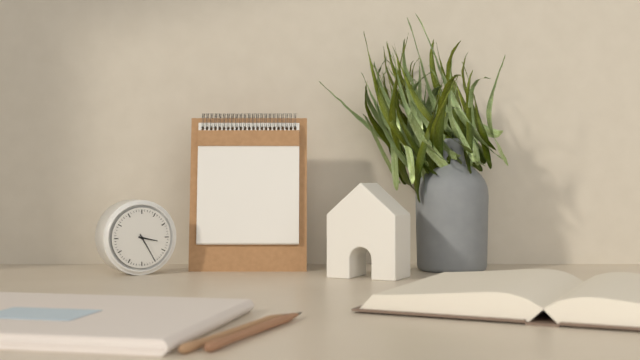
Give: 3:25
